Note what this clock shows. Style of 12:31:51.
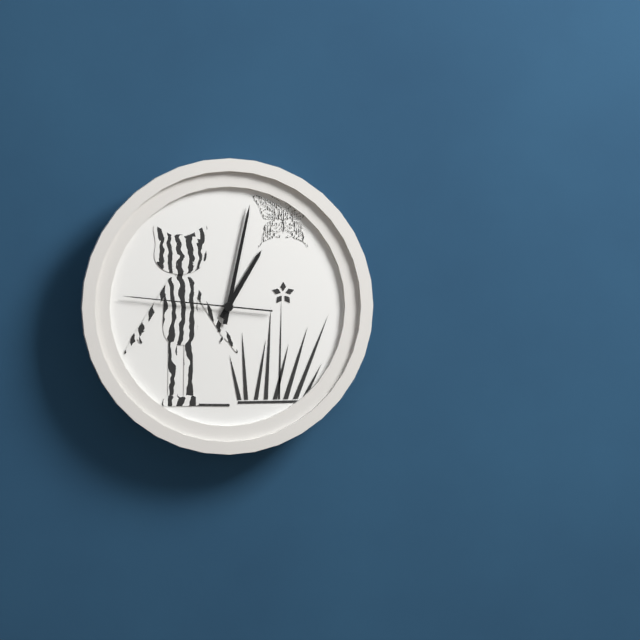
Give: 1:02:46
